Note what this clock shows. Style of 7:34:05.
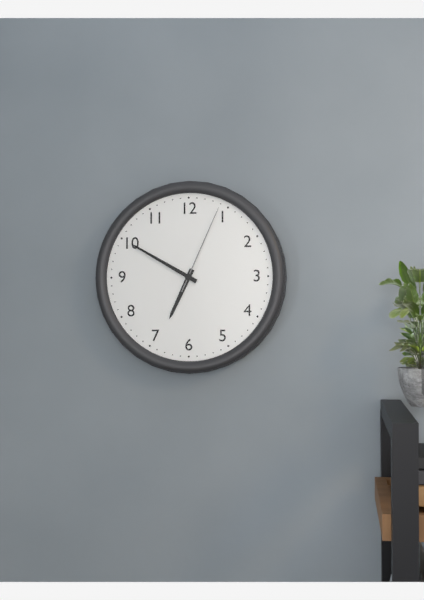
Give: 6:50:04
